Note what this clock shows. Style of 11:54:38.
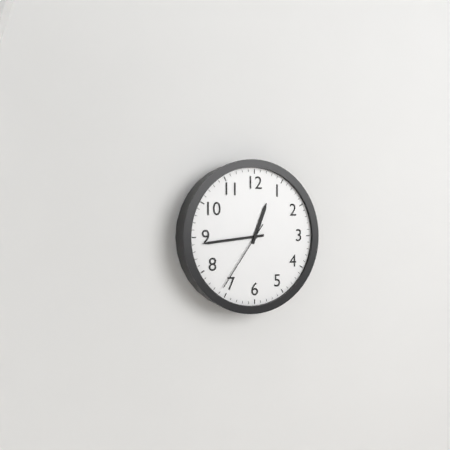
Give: 12:44:36
